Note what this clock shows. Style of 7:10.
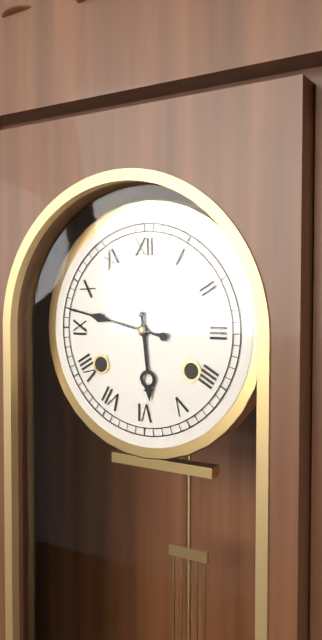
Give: 5:47
